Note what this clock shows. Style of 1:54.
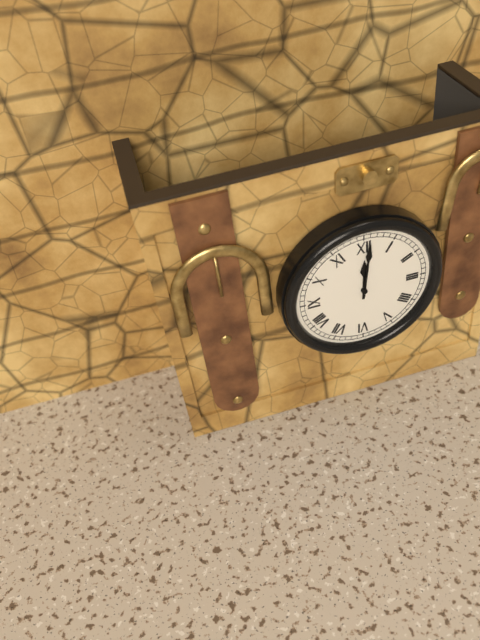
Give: 12:01
